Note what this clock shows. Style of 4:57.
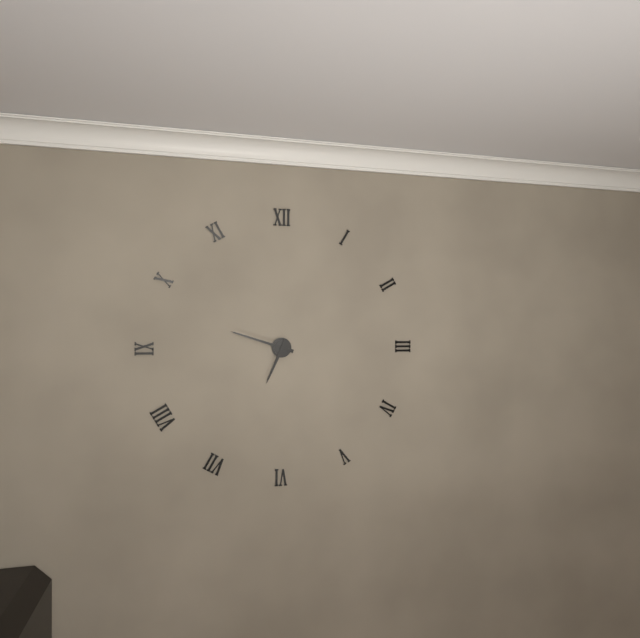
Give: 6:48
